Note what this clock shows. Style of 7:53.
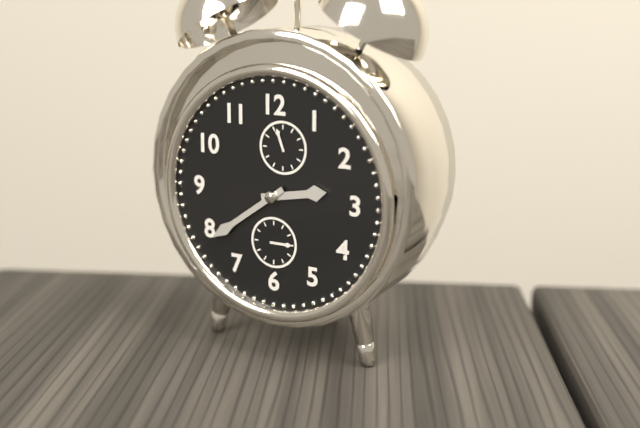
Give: 2:39
